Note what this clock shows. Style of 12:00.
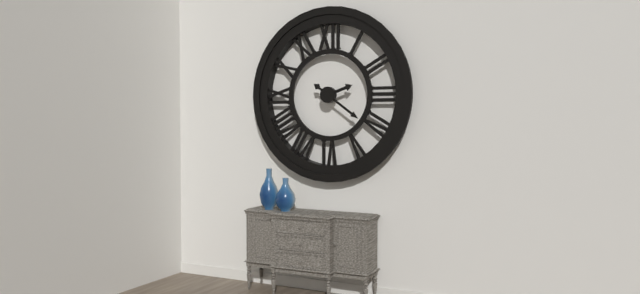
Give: 2:21
